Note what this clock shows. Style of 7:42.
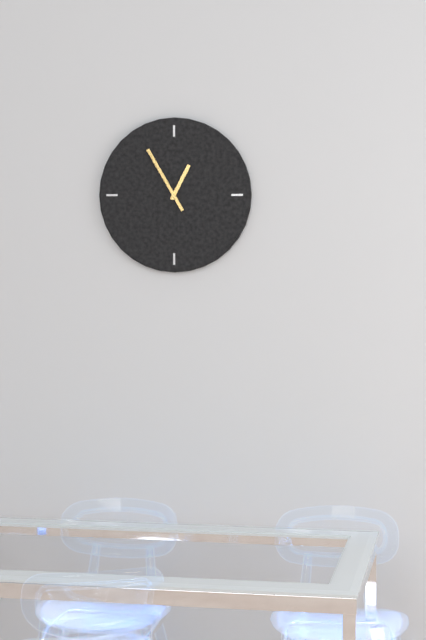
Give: 12:55
